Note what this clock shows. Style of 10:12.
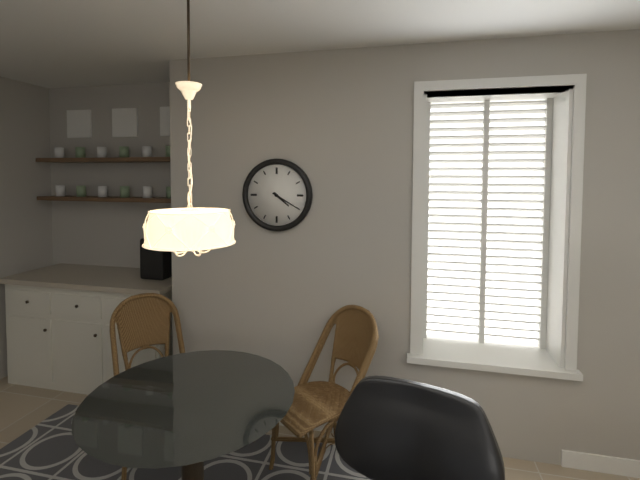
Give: 4:20
